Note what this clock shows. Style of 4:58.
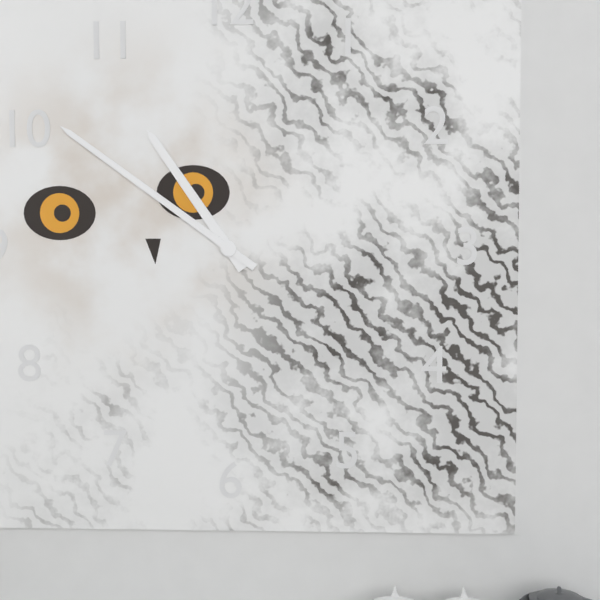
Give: 10:51
